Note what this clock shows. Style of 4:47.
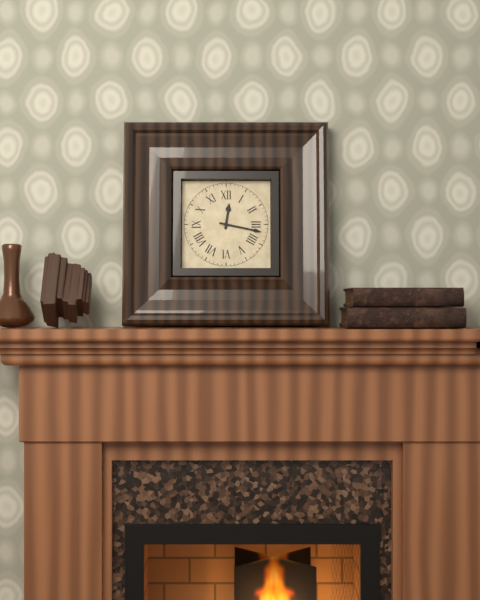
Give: 12:17
